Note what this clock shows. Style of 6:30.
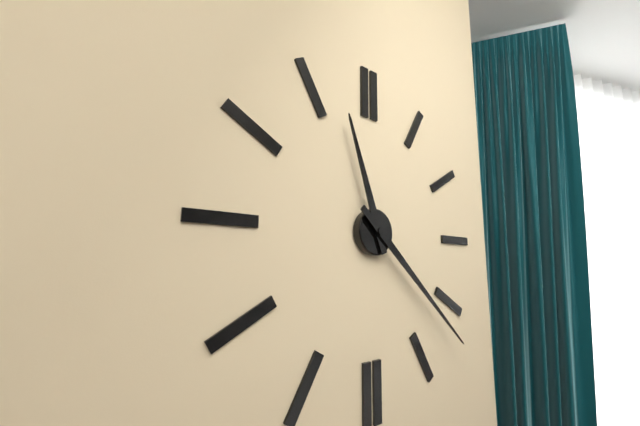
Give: 11:22
